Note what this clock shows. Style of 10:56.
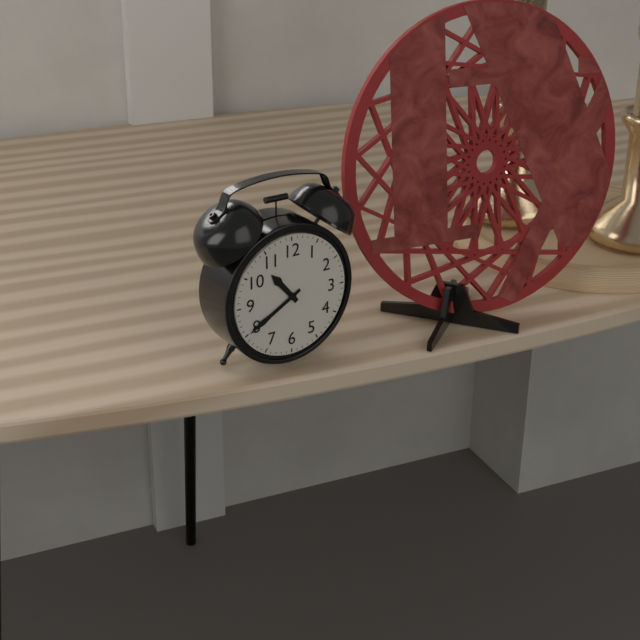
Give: 10:40
